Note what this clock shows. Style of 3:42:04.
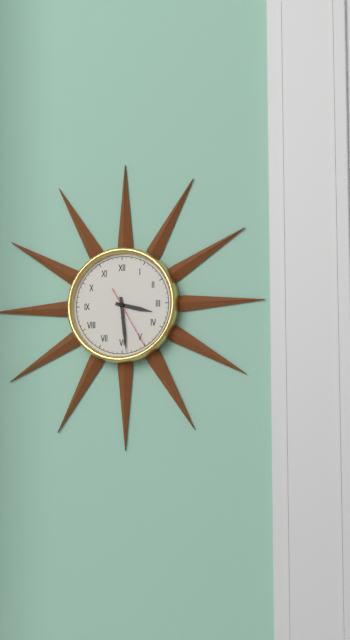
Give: 3:29:25
